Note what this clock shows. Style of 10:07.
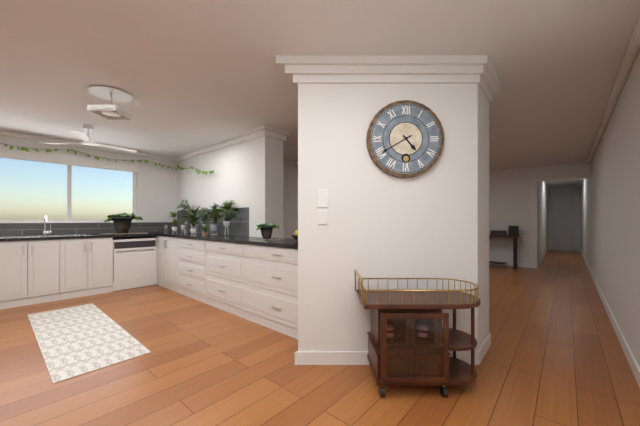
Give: 4:40
